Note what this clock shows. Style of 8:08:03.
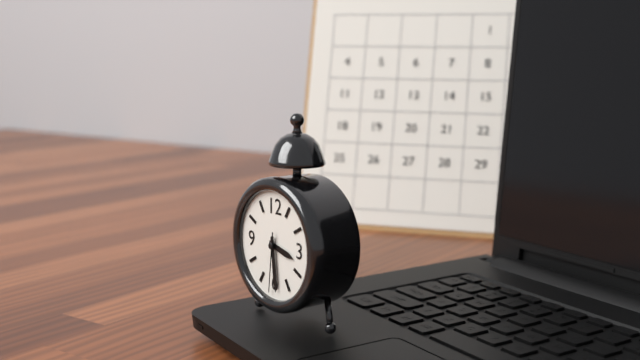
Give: 3:29:31
